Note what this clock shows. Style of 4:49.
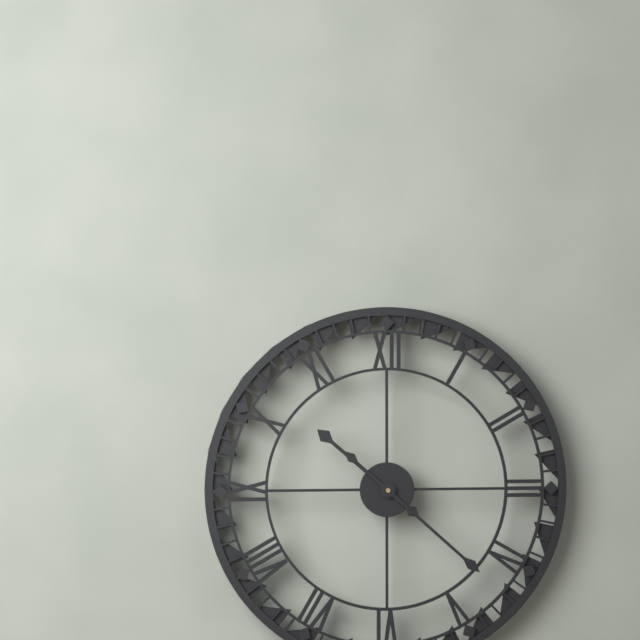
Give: 10:22
